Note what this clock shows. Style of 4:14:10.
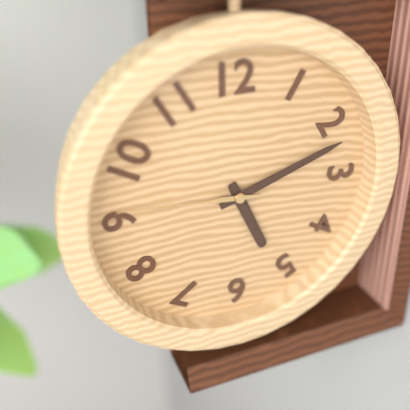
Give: 5:12:46
